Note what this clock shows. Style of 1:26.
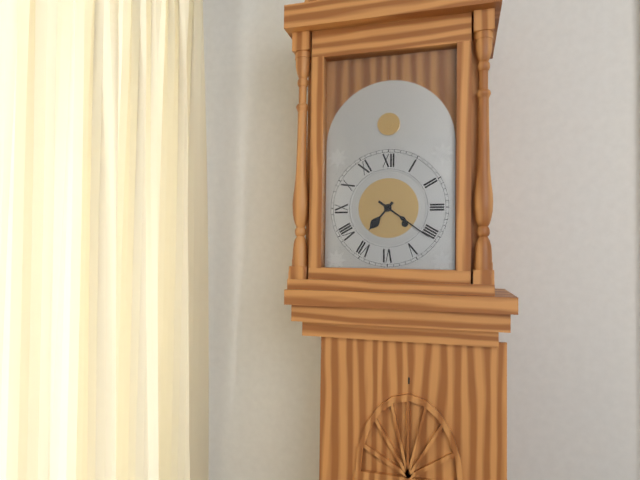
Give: 7:21
